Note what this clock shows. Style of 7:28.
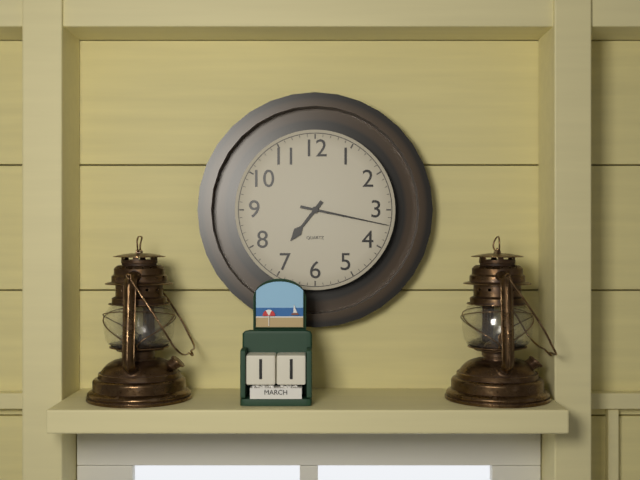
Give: 7:17
